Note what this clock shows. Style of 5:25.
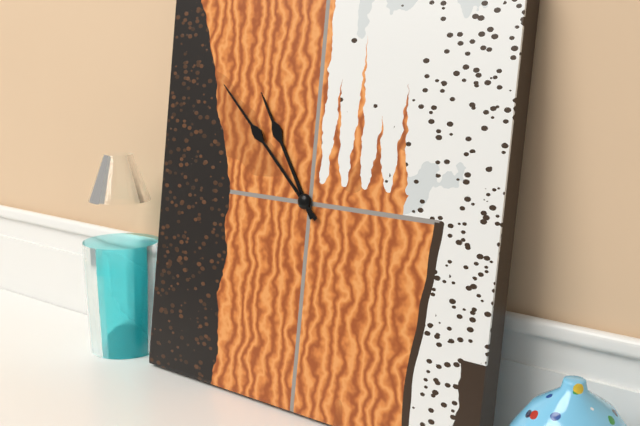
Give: 10:52
